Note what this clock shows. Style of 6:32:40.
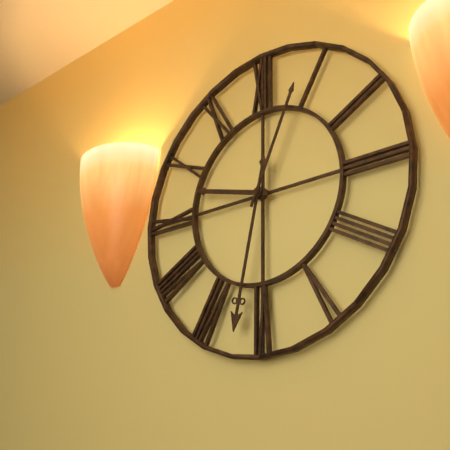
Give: 9:32:04
